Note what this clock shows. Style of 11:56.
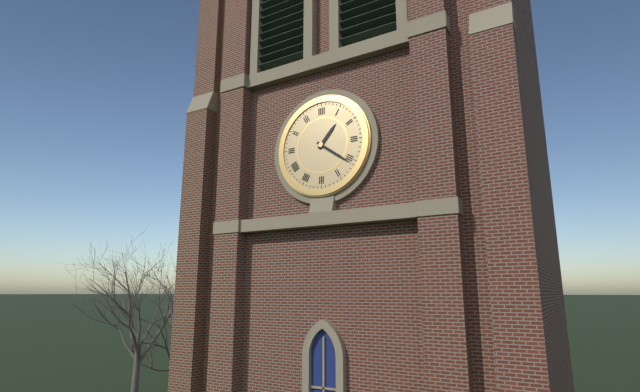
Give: 1:21
